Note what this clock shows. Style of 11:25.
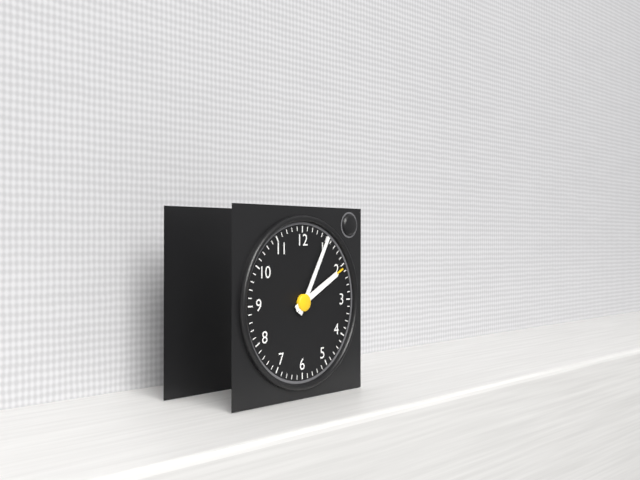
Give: 2:05
